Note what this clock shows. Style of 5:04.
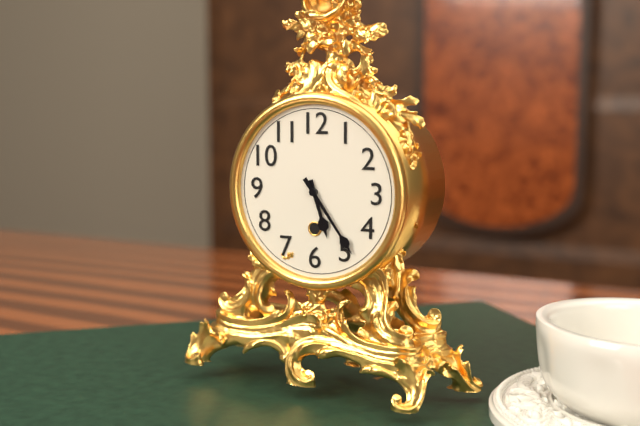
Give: 5:24
